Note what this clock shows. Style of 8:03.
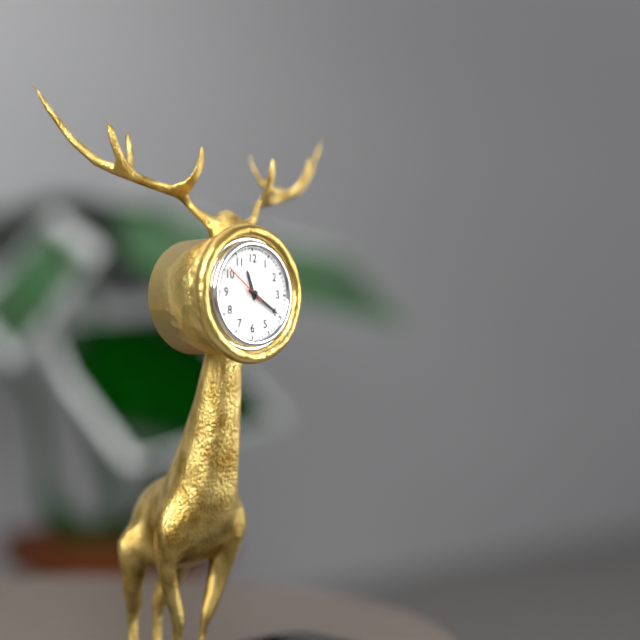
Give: 11:20
